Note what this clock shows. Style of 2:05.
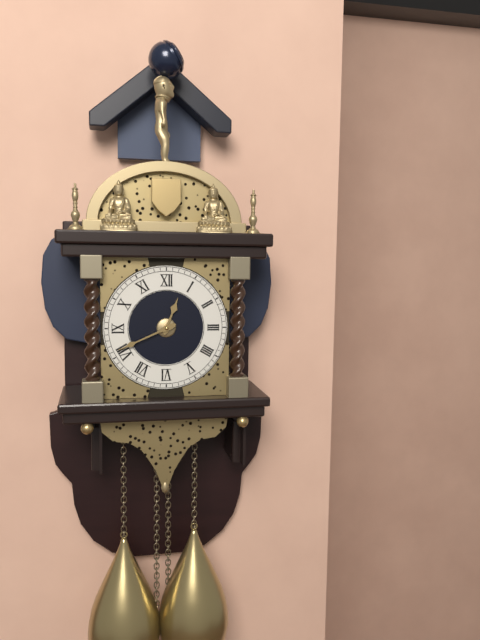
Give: 12:41
